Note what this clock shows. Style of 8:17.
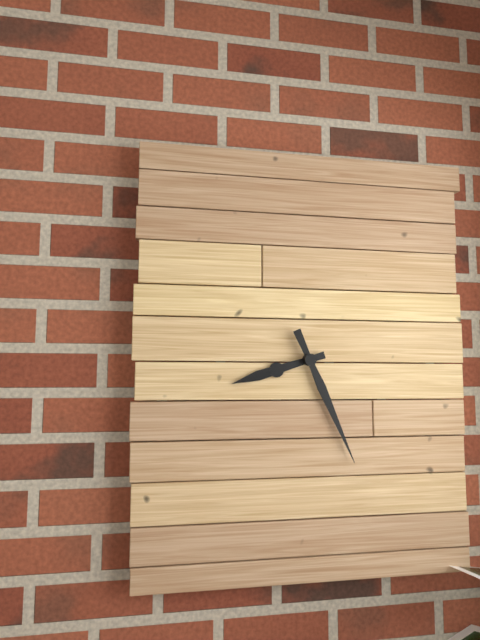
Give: 8:26
